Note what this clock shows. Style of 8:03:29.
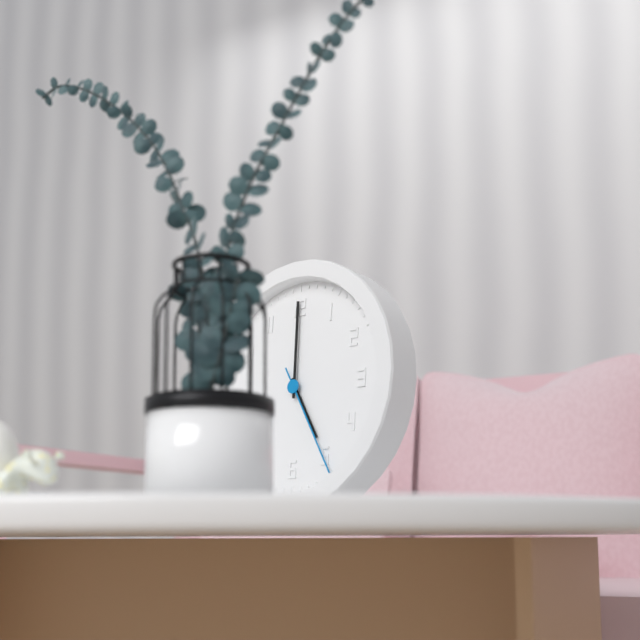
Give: 5:00:25
